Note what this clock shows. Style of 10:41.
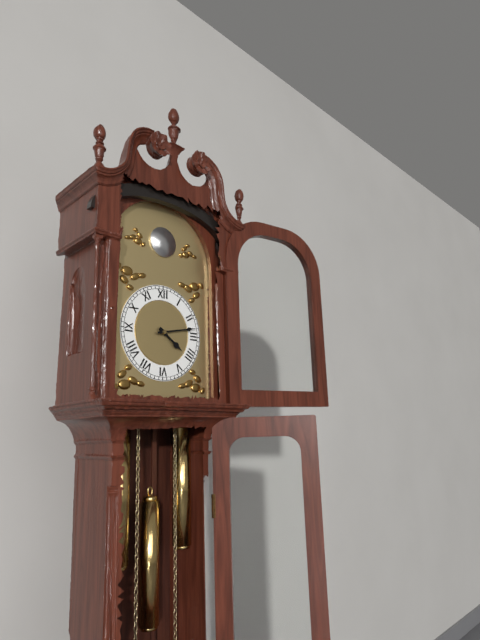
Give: 4:13
